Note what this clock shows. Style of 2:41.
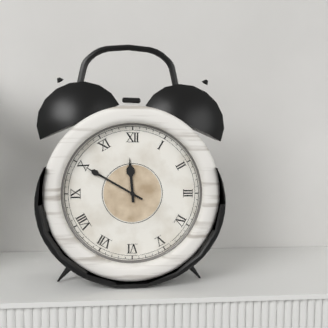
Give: 11:50
